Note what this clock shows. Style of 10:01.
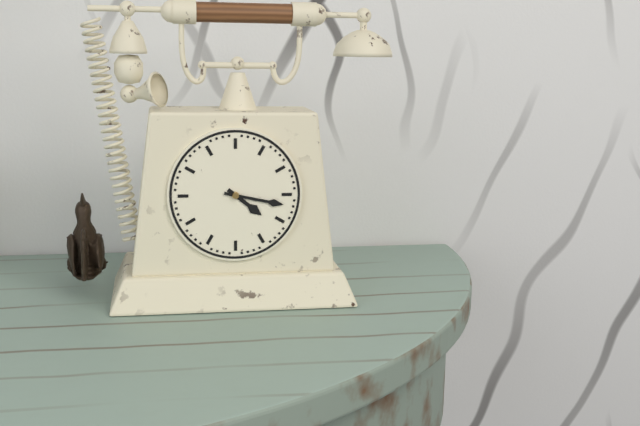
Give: 4:17
